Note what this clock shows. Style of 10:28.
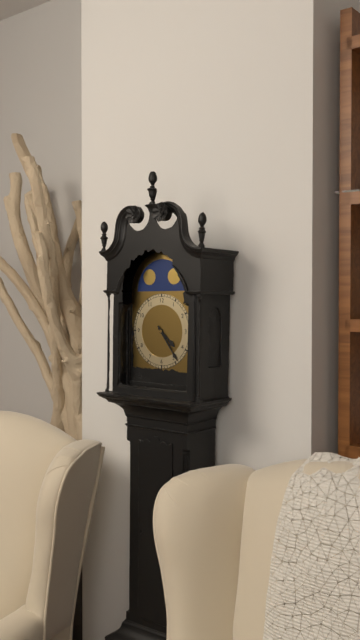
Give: 4:24
